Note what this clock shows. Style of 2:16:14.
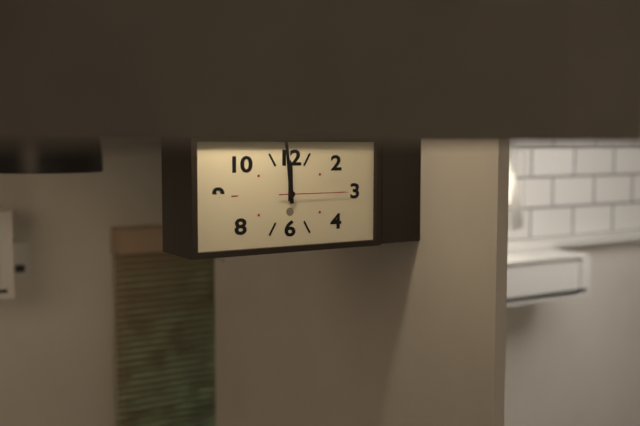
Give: 11:59:15
